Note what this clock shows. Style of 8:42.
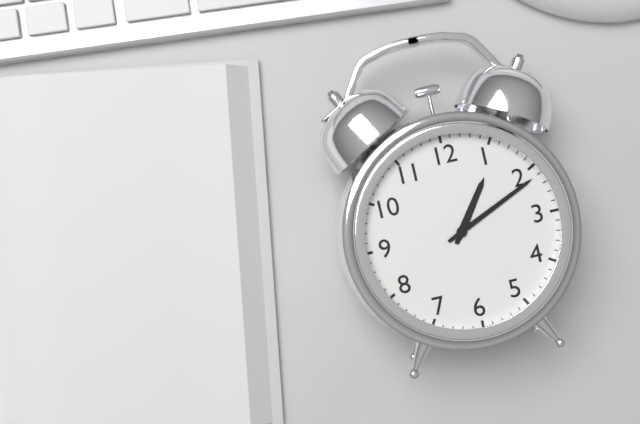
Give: 1:11
